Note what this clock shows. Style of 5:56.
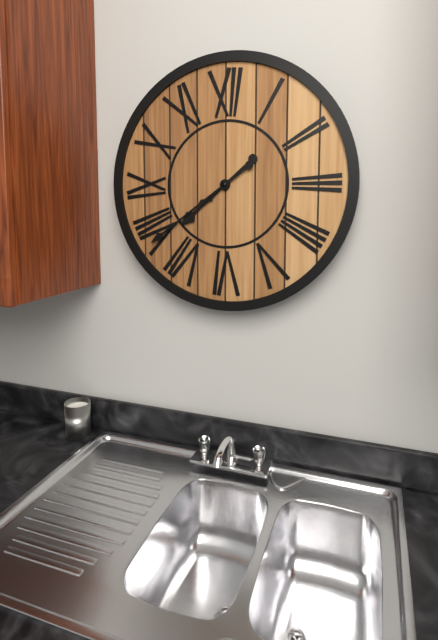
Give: 7:39
